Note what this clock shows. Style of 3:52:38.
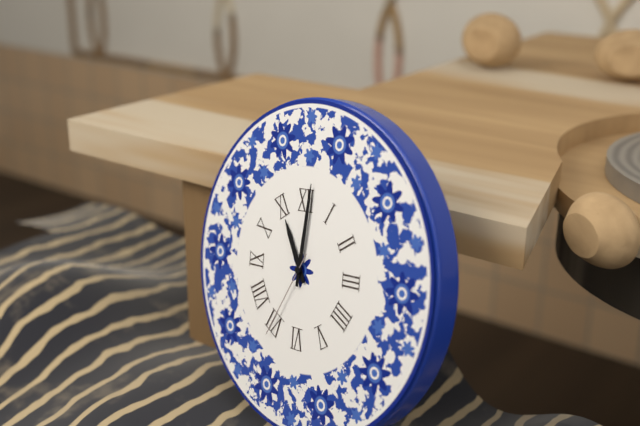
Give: 11:01:35
